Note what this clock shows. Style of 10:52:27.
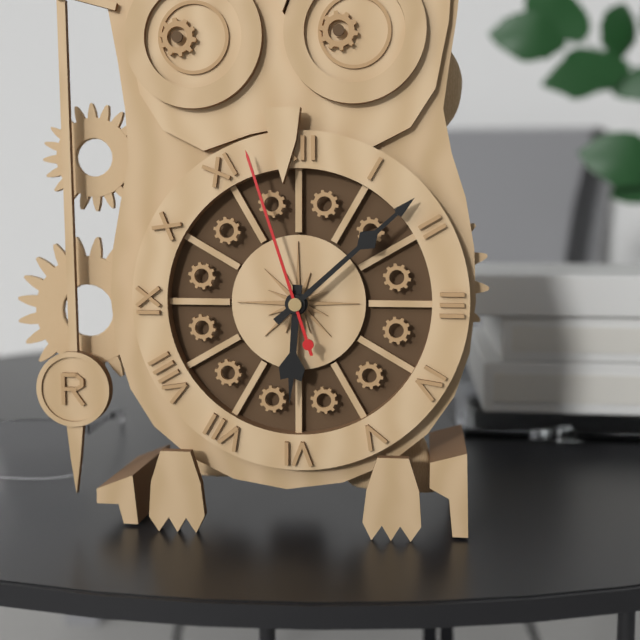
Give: 6:08:57
